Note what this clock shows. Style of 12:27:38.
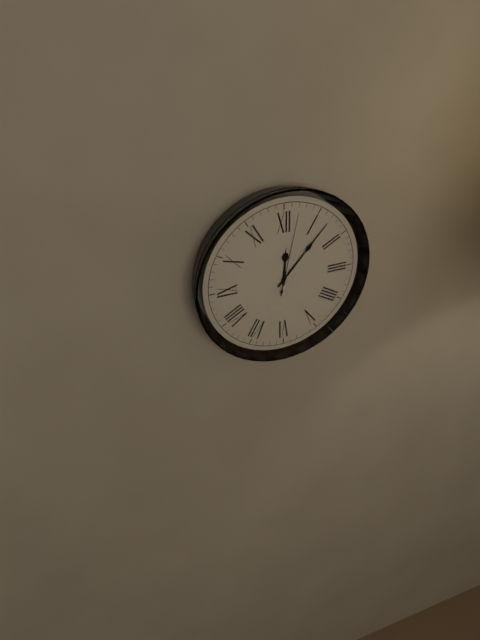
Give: 12:07:02
